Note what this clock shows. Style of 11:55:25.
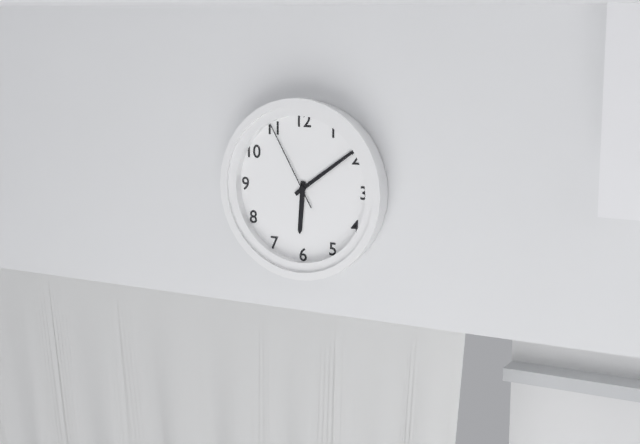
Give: 6:09:55
